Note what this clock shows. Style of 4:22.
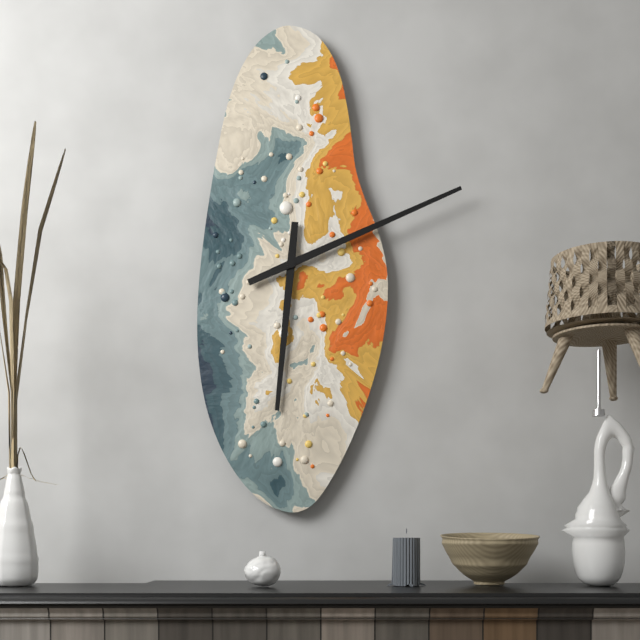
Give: 6:11
